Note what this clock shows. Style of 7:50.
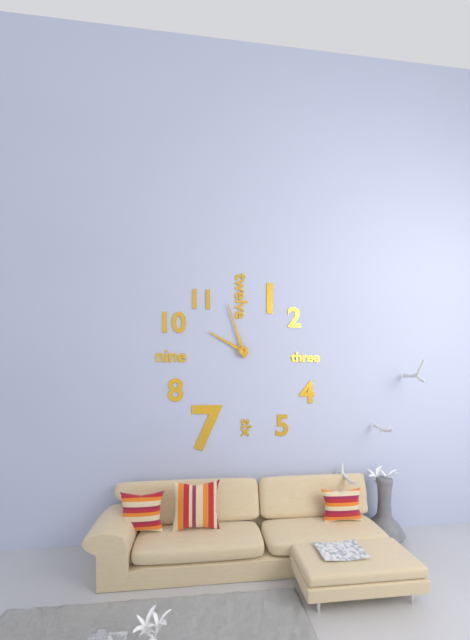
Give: 9:57
